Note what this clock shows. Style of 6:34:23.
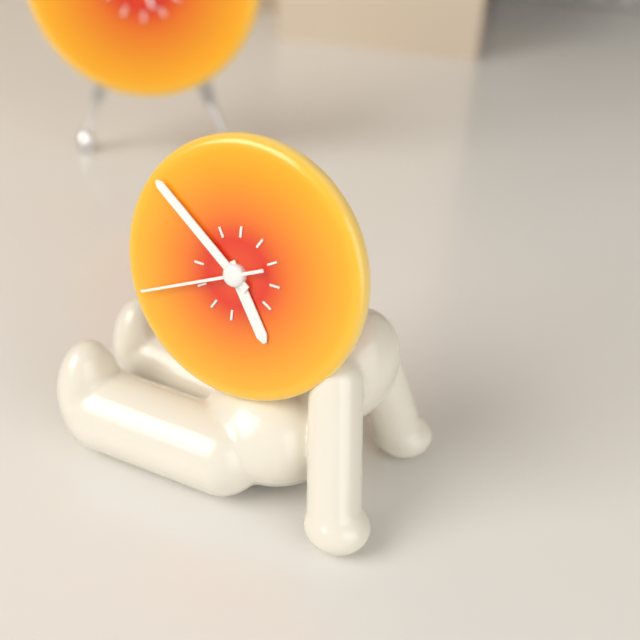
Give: 4:51:41
